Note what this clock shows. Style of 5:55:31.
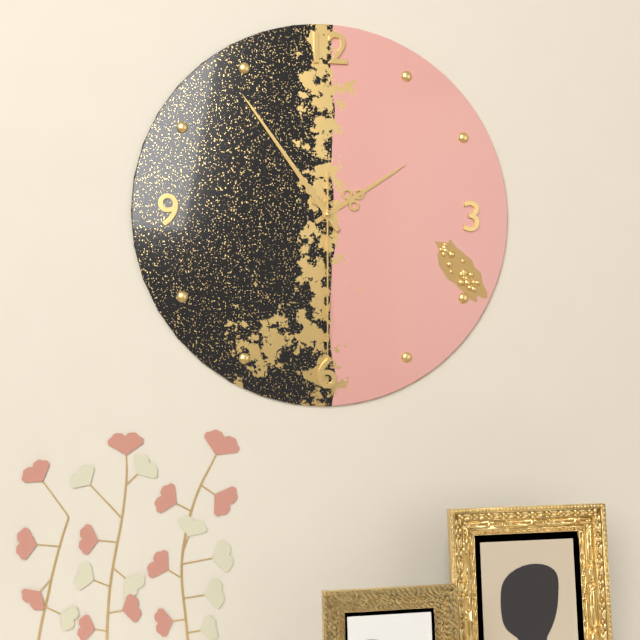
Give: 1:54:30
